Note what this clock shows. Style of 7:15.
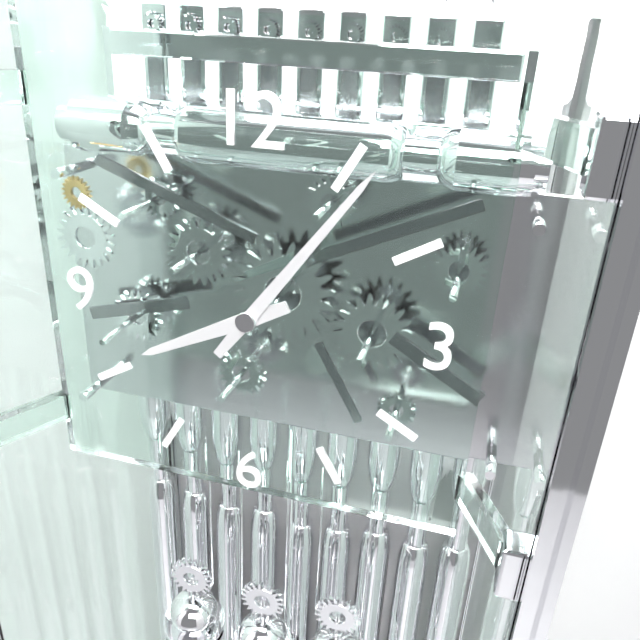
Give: 8:06
